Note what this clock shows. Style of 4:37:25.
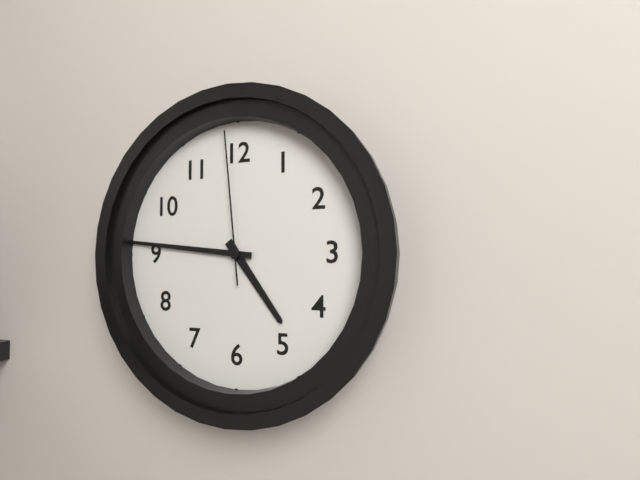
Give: 4:46:59
